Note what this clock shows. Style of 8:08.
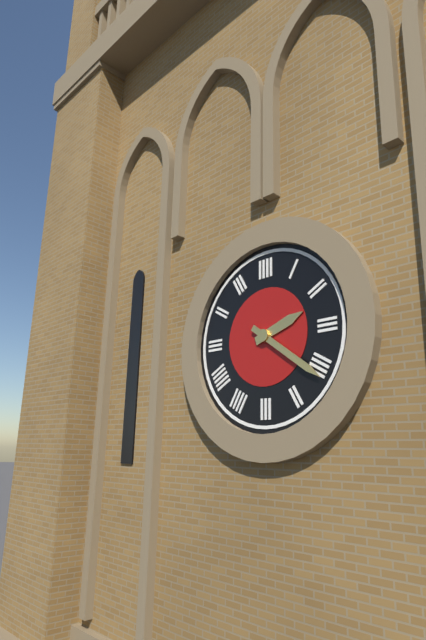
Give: 2:21
